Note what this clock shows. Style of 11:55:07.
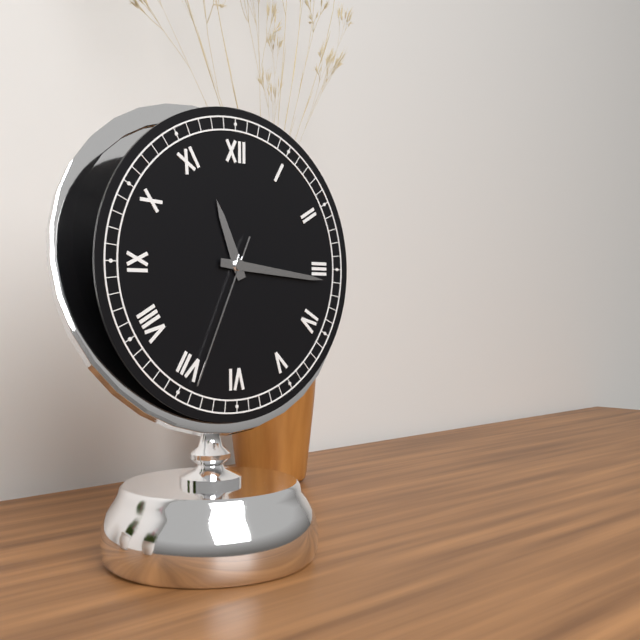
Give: 11:16:34
